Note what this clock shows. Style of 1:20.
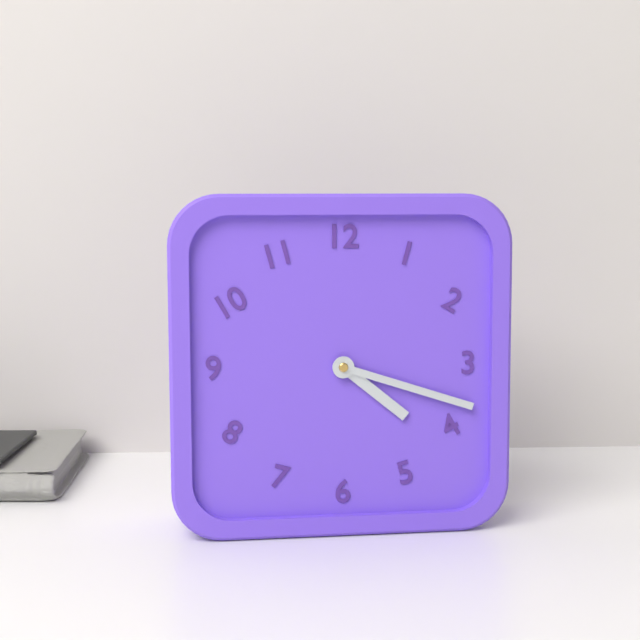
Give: 4:18
